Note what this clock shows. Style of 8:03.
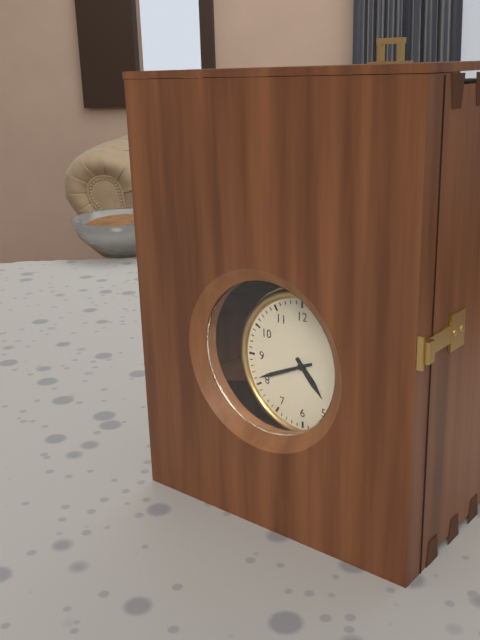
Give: 4:41
